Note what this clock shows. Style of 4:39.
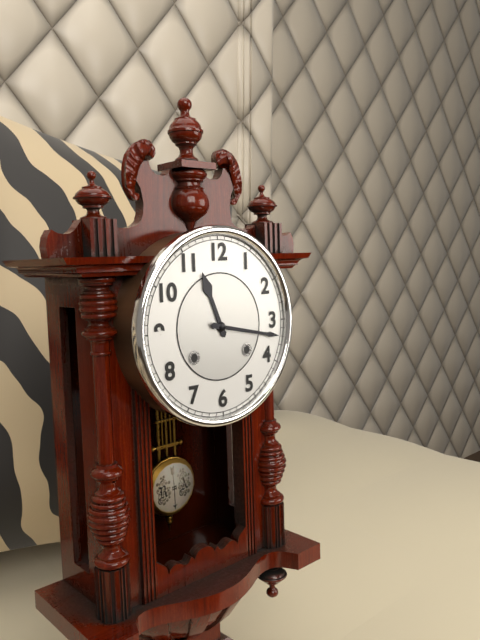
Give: 11:17
